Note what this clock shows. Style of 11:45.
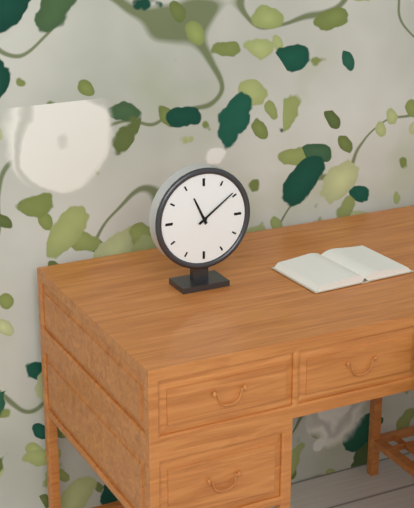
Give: 11:09
